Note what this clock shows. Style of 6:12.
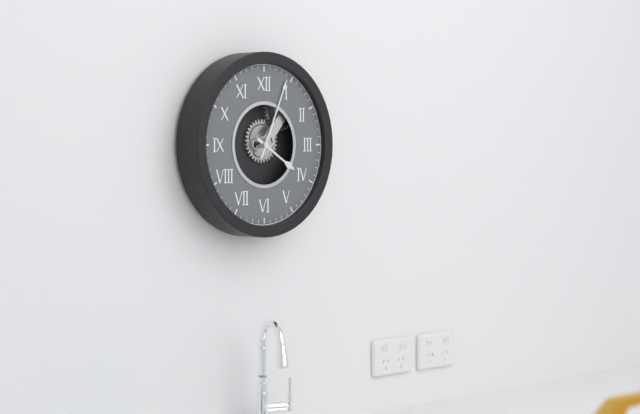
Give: 4:04
